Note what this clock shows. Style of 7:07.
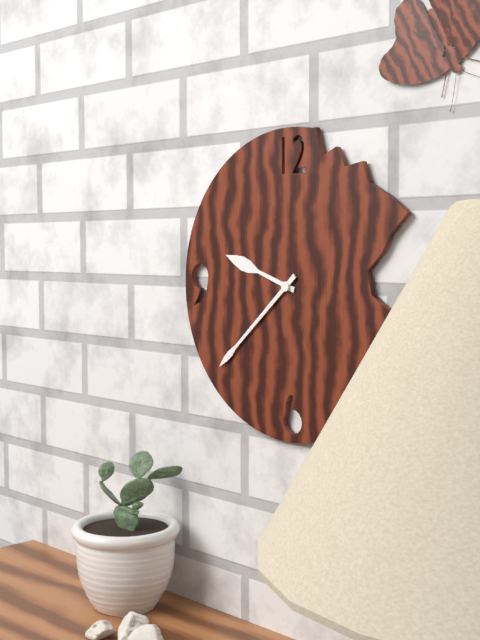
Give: 9:38
